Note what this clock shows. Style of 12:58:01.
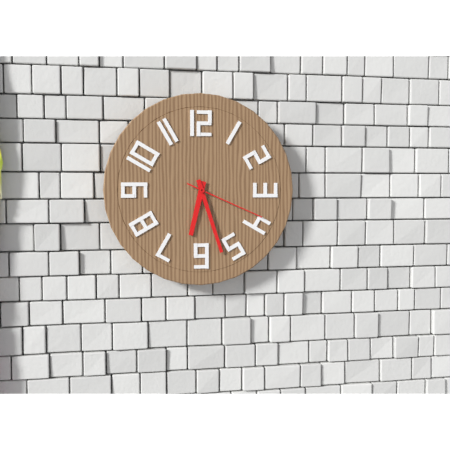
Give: 6:27:19
